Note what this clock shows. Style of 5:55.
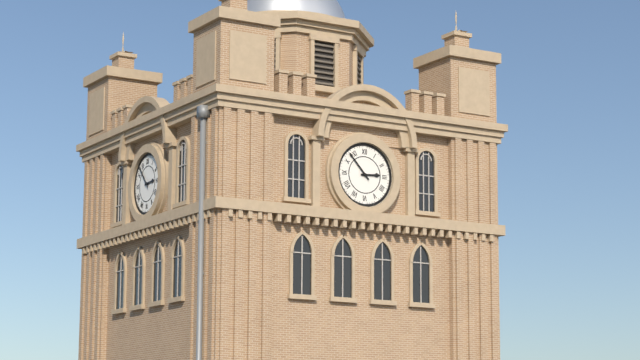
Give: 2:53
